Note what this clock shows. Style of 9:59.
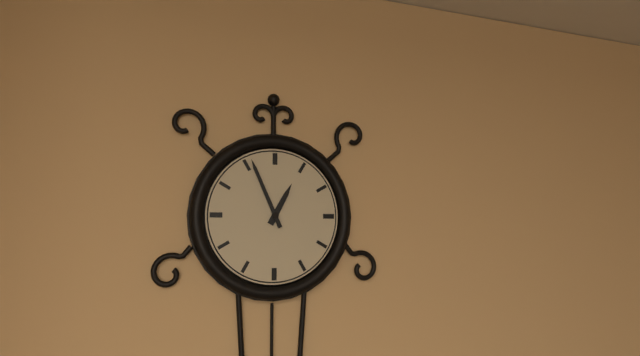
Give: 12:56
